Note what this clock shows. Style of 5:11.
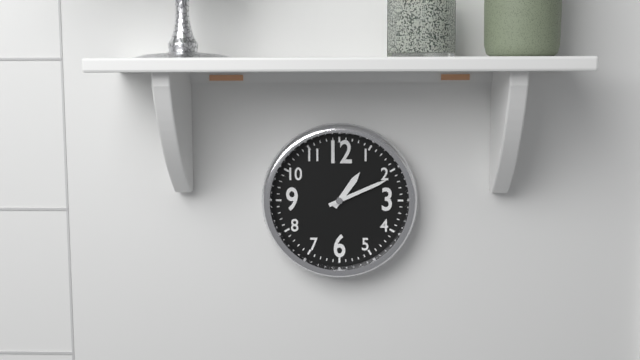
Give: 1:11
